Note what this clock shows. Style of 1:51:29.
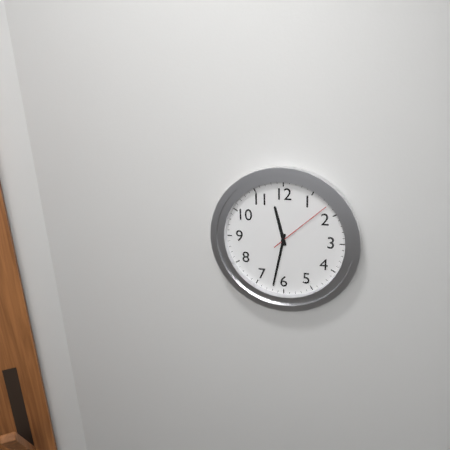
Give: 11:32:08
